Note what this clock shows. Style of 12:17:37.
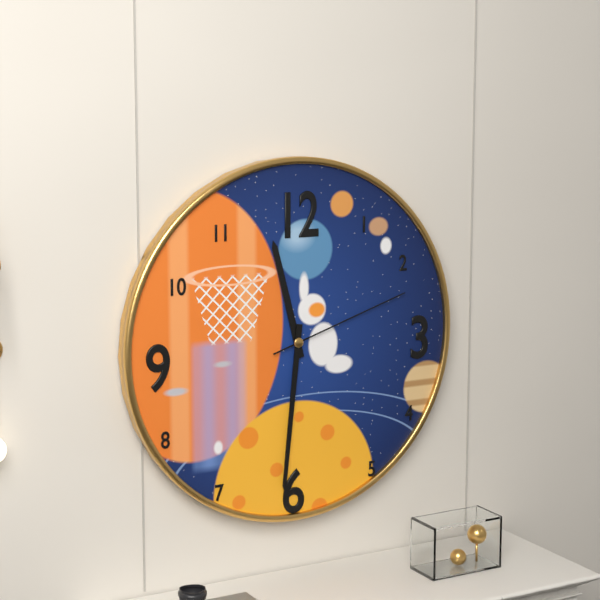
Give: 11:31:12
